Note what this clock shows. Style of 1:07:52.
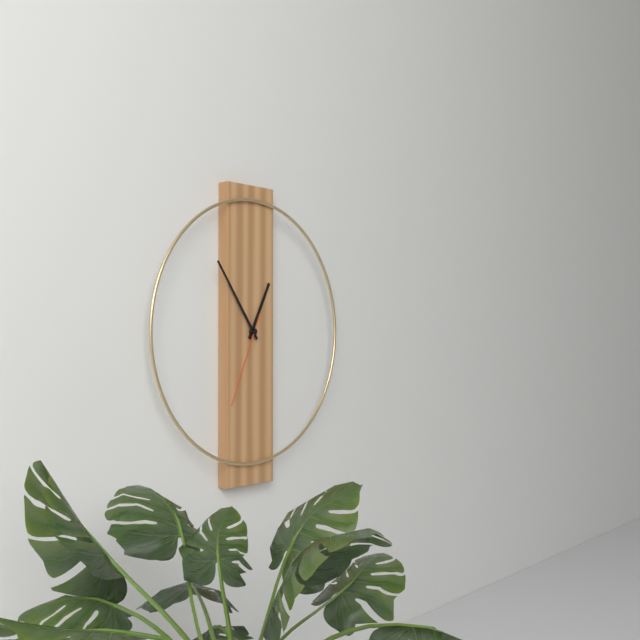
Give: 12:54:34
